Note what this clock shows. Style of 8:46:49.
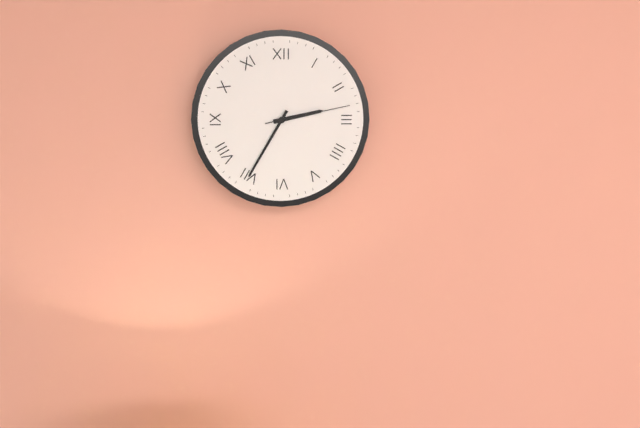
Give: 2:35:13
